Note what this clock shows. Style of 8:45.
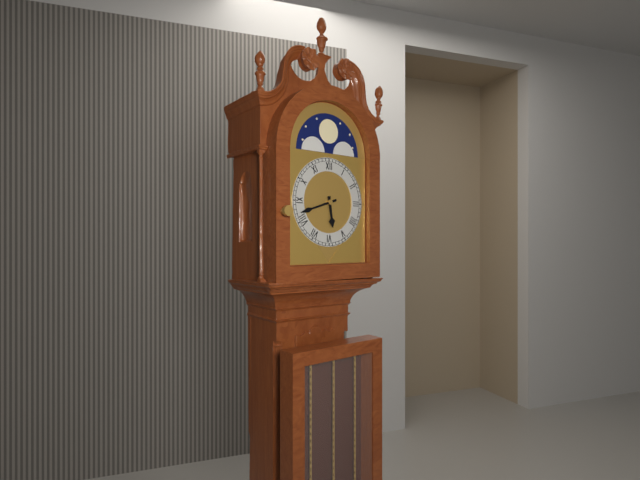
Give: 5:42
